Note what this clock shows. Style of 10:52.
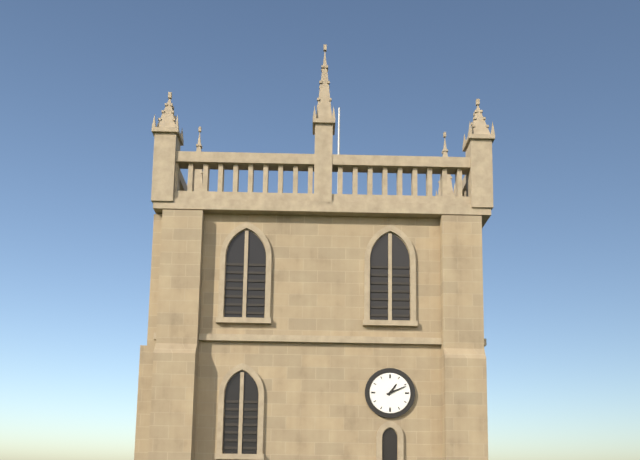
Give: 1:11
